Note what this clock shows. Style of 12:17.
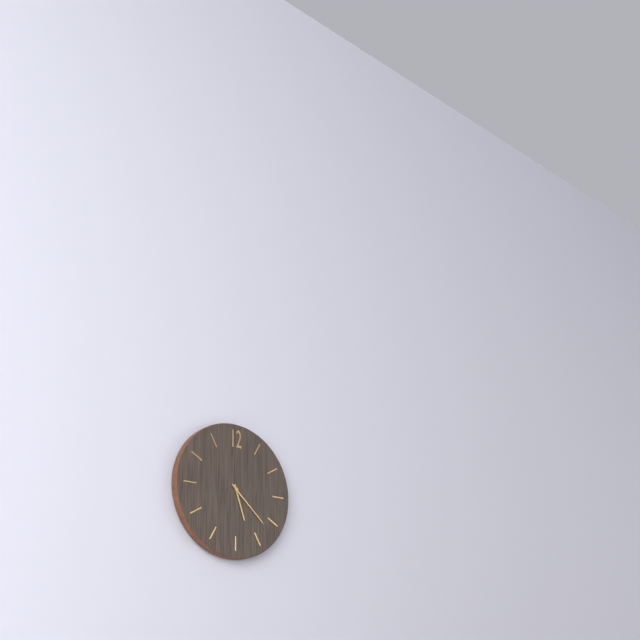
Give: 5:22
